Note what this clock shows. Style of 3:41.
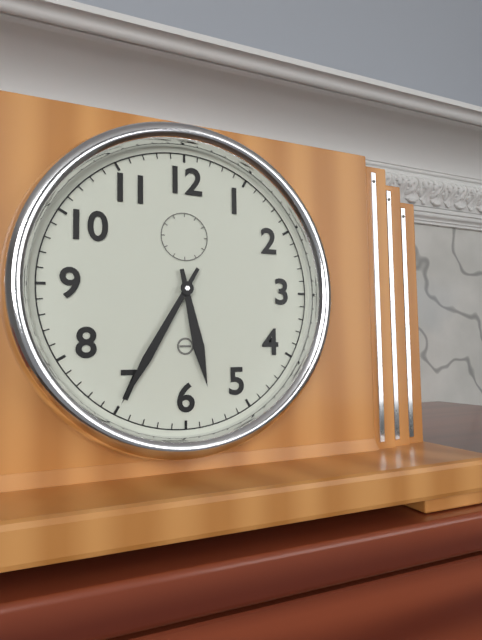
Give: 5:35
